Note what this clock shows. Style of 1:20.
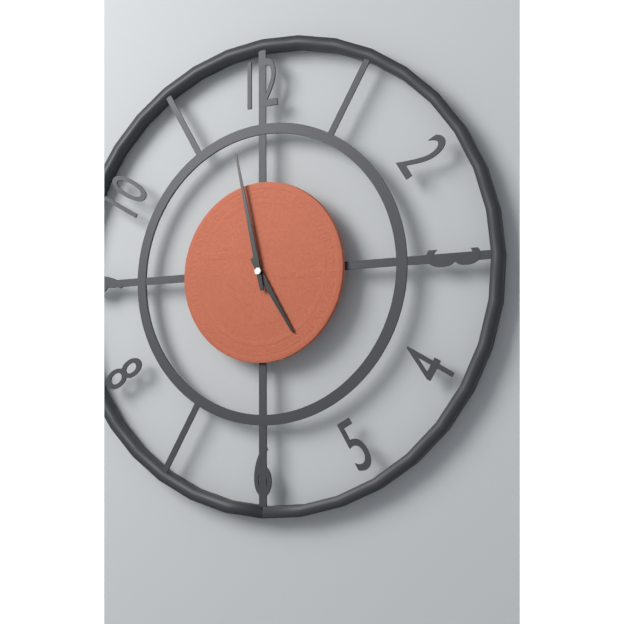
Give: 4:58
